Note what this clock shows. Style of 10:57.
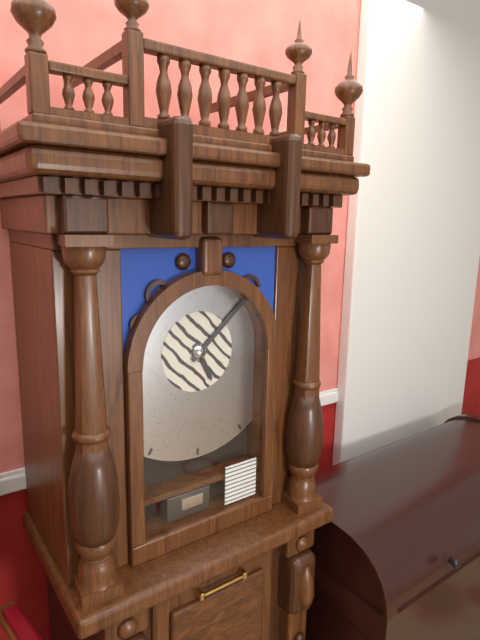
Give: 5:08
